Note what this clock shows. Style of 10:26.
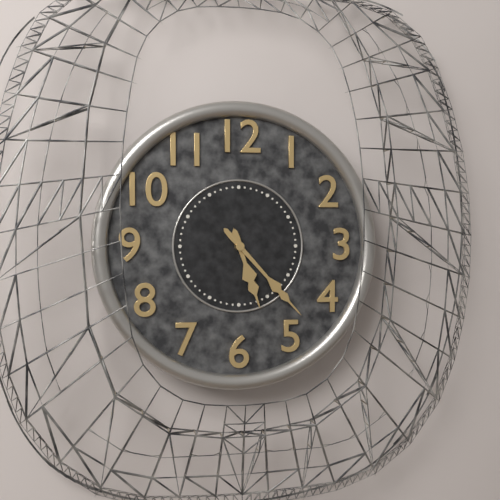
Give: 5:23
